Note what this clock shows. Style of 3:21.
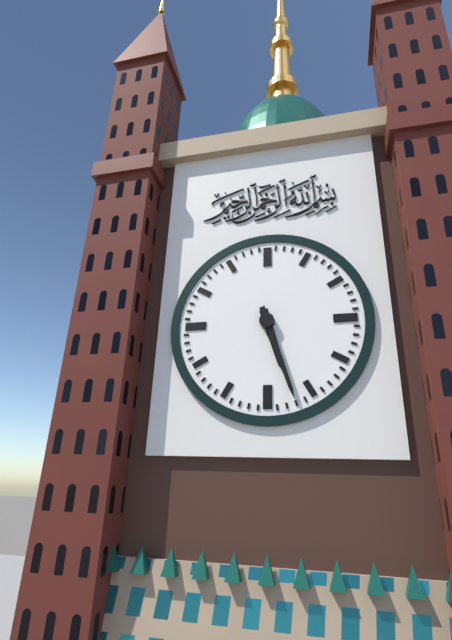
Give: 5:27
